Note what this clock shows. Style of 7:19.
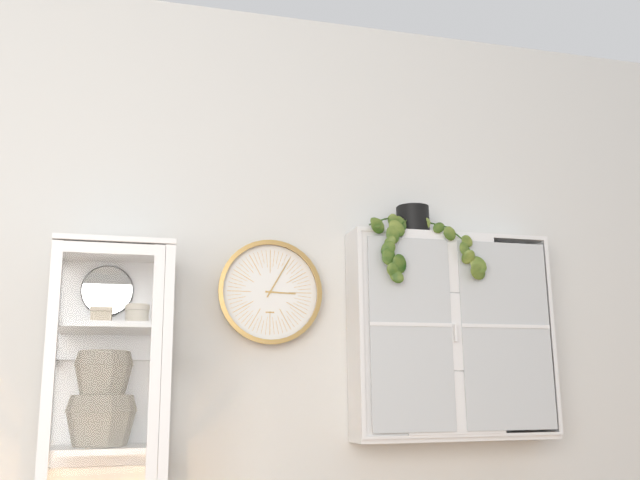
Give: 3:05
